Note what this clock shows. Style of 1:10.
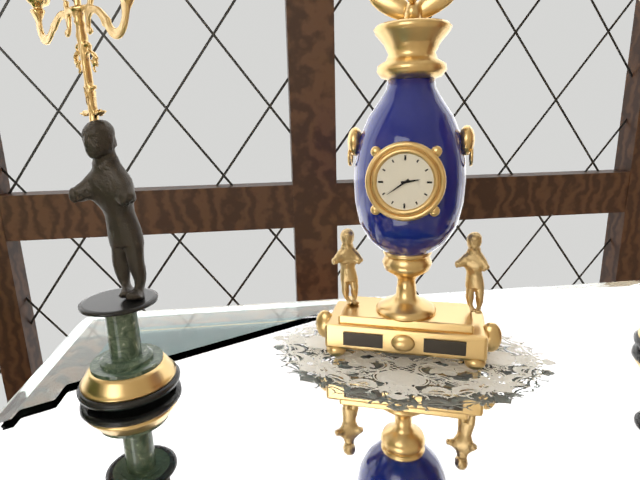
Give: 2:39
